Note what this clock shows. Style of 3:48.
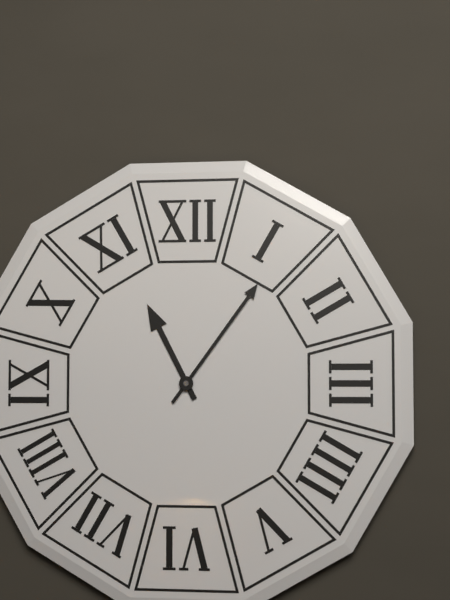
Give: 11:06
